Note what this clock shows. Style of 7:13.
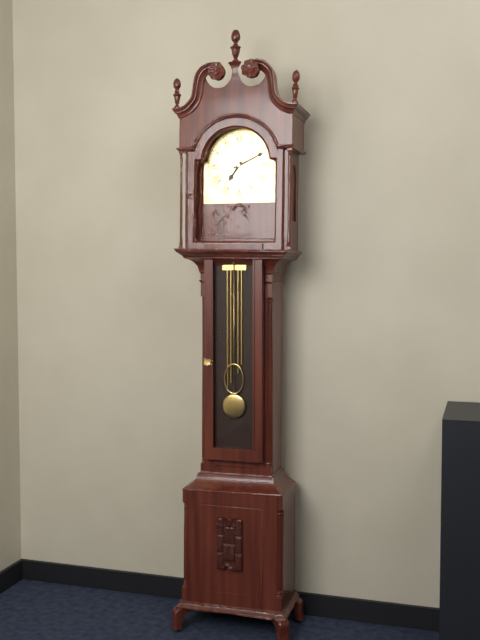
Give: 7:11
